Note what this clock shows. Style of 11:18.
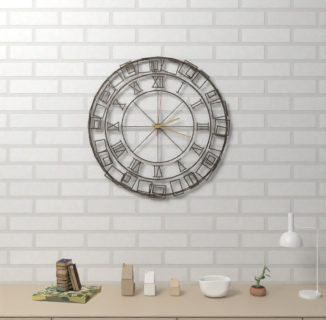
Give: 2:18
